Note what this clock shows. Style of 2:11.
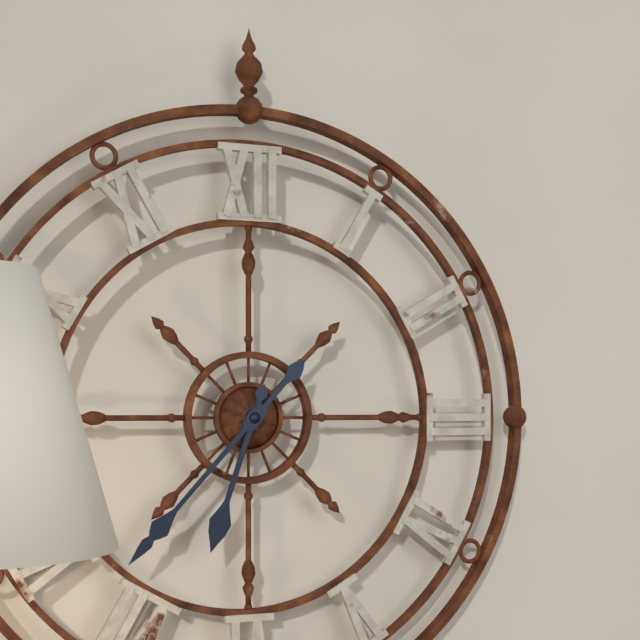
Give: 6:37
